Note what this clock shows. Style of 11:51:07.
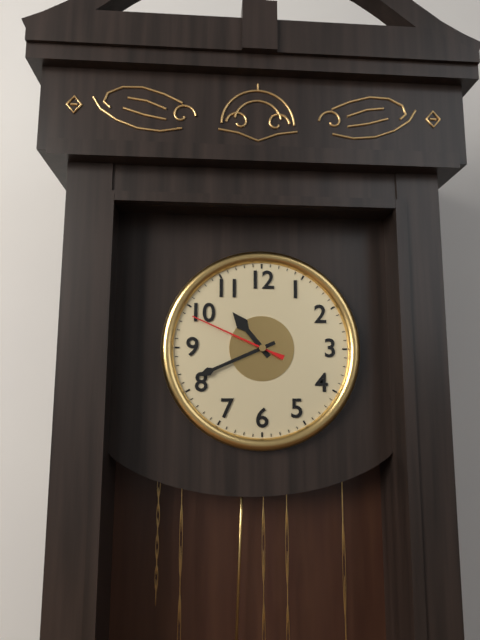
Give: 10:41:49
